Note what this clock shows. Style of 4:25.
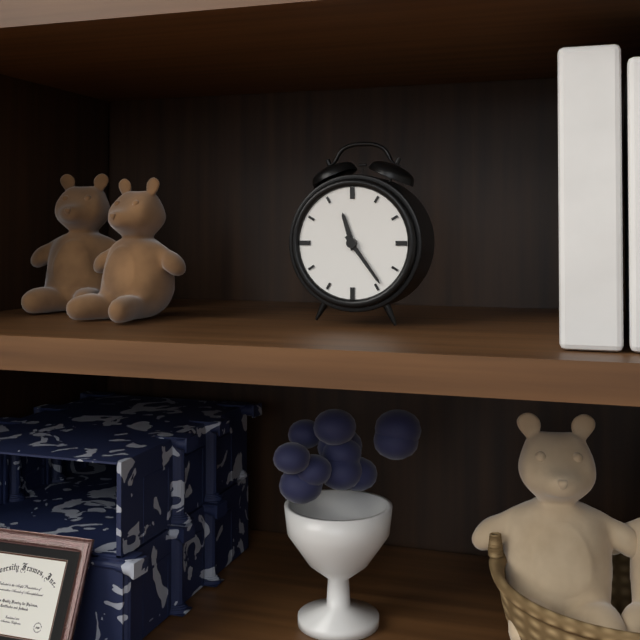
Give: 11:24
